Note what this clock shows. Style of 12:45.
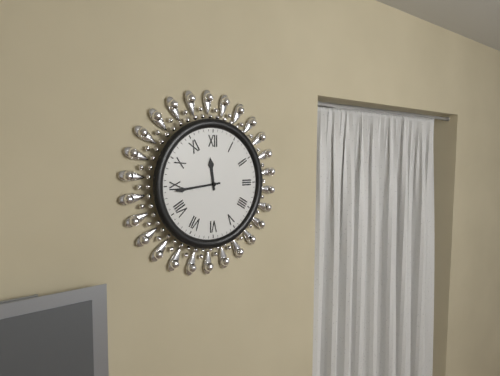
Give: 11:44
